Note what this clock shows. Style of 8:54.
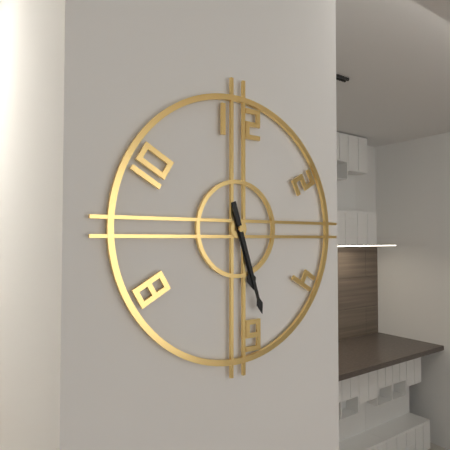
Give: 5:27
